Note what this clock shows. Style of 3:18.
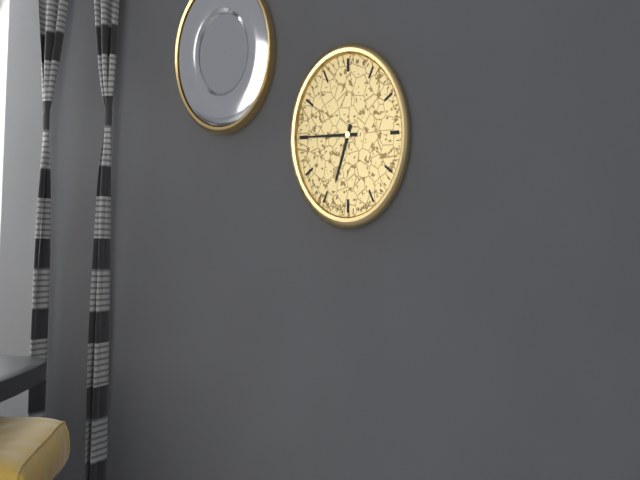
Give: 6:45
